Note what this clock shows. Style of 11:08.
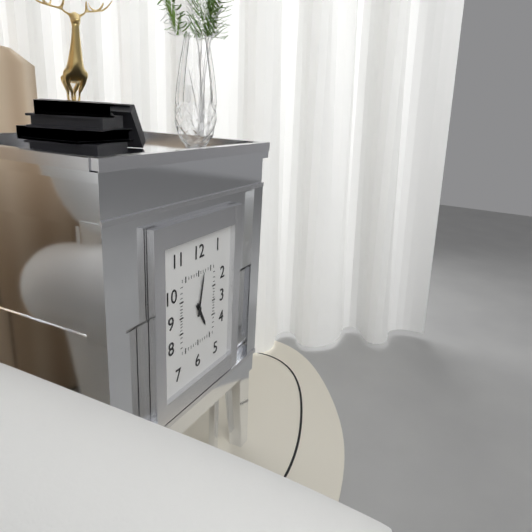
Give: 5:02
